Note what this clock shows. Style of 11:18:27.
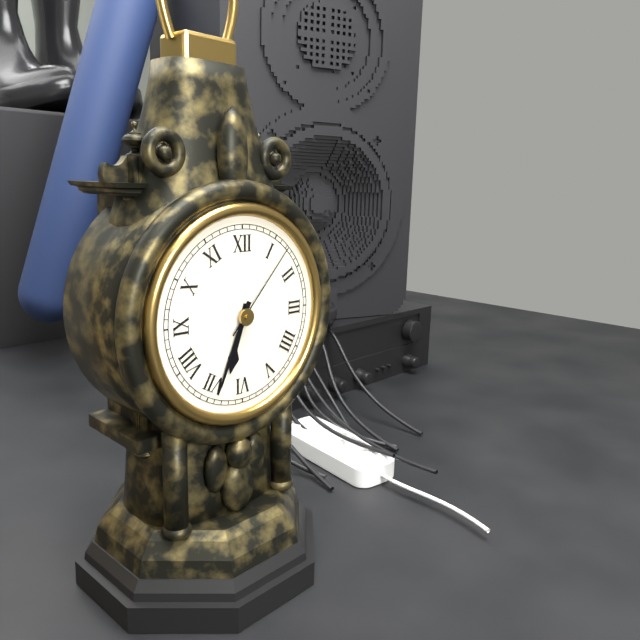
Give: 6:34:07
